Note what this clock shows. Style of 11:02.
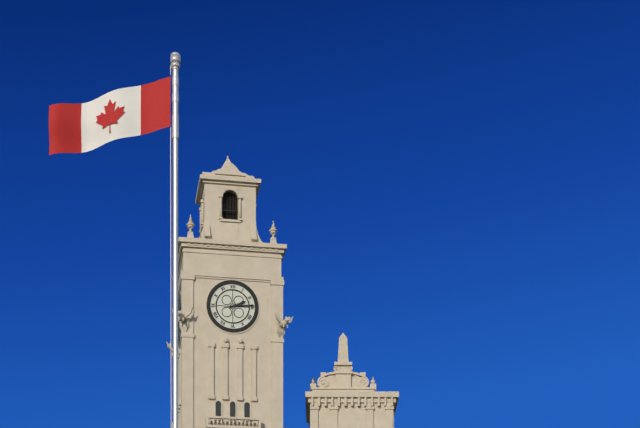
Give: 2:14
